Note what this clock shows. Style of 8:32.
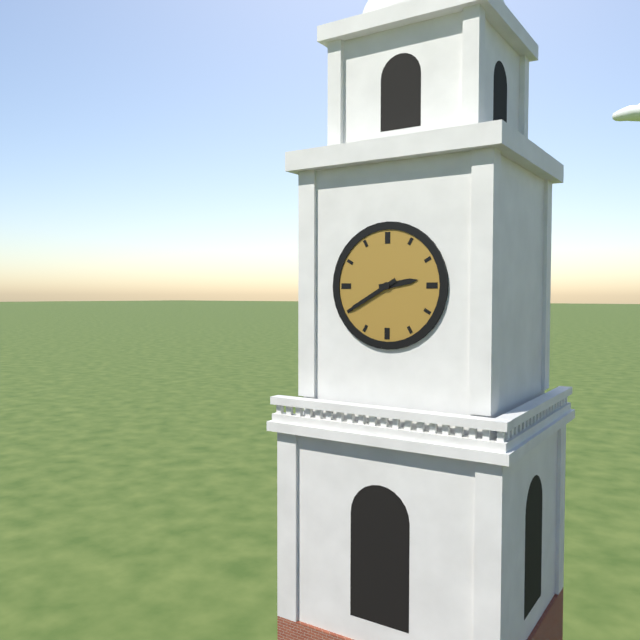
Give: 2:40
